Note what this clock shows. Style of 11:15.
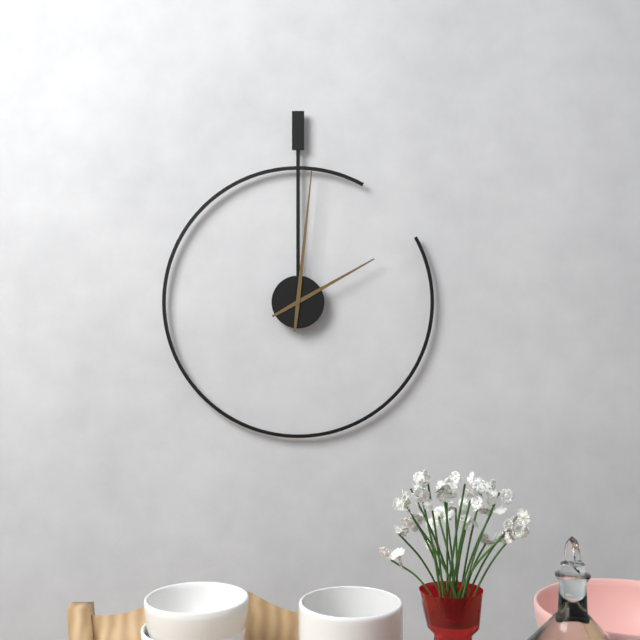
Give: 2:01
